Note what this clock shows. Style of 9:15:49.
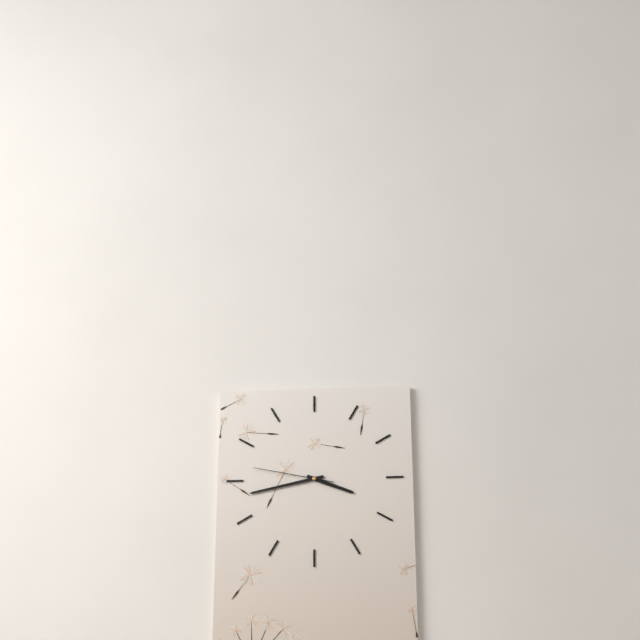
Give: 3:43:47
